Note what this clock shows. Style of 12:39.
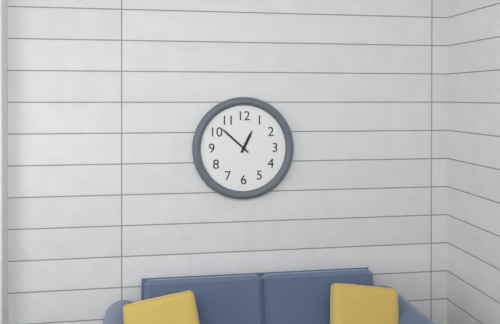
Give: 12:52
